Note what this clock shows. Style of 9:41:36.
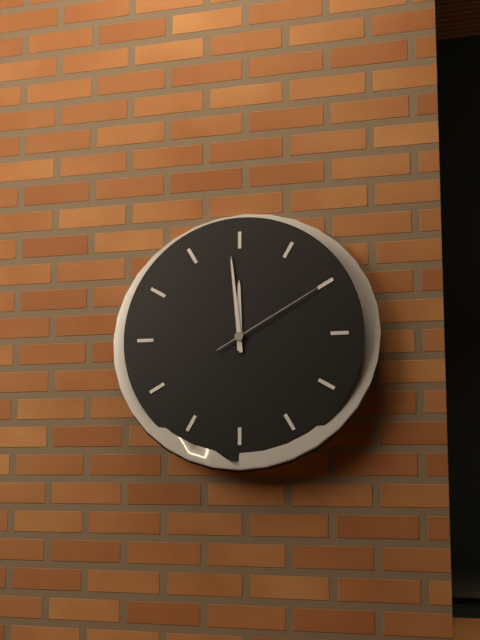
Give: 11:59:10
